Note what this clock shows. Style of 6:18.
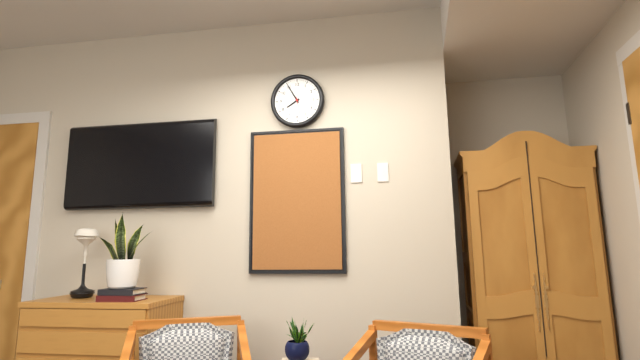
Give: 7:55
